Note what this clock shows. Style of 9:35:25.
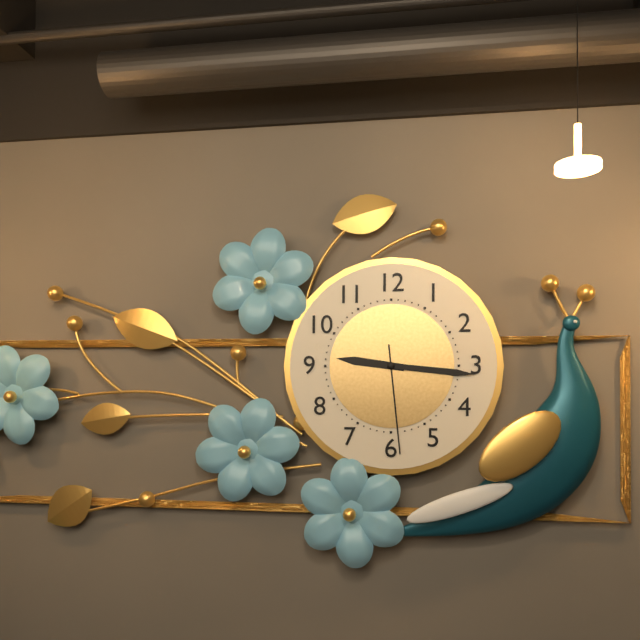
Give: 9:16:29
